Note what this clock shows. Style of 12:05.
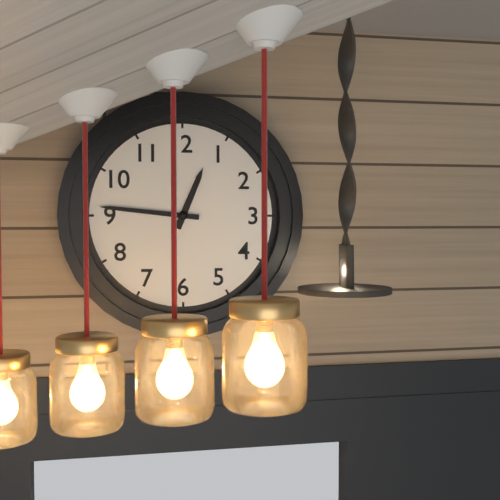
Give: 12:46
